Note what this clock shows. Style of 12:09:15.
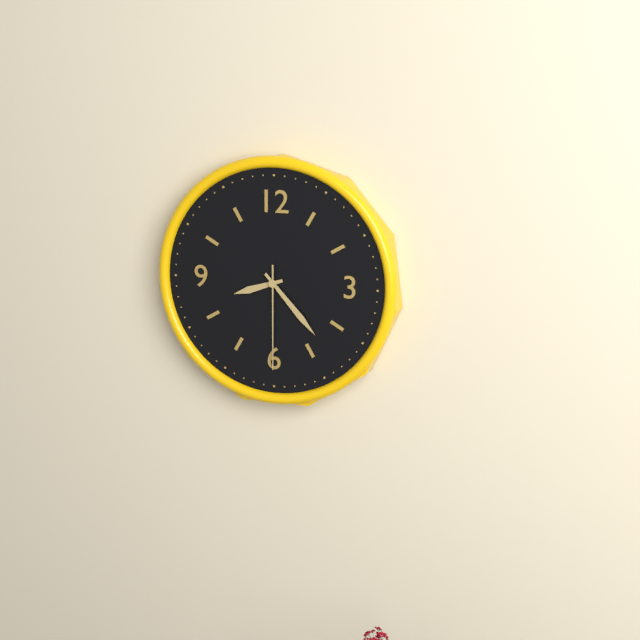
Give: 8:23:30
